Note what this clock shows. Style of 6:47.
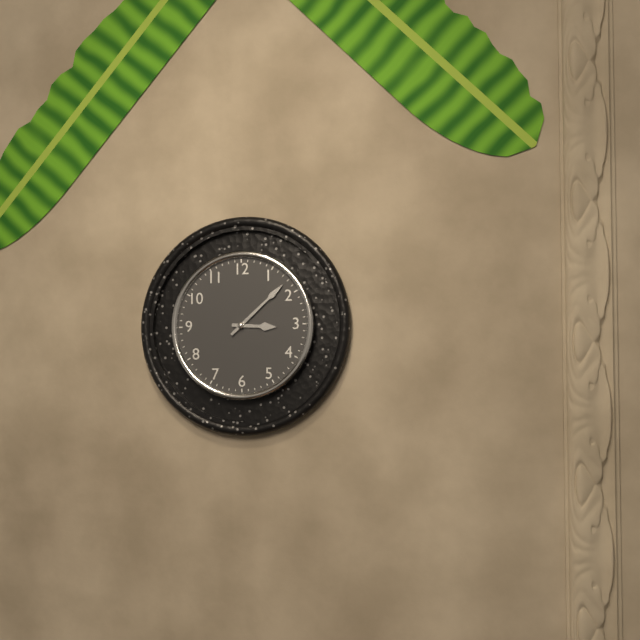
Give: 3:08
